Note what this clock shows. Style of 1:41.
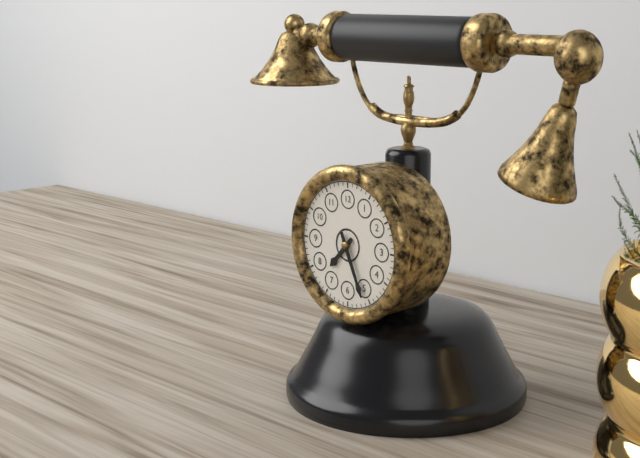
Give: 7:26
